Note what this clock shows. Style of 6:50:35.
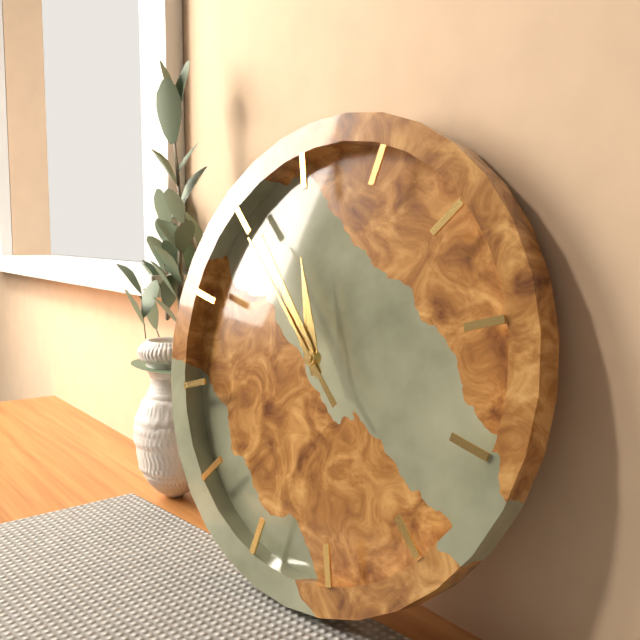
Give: 10:51:50
